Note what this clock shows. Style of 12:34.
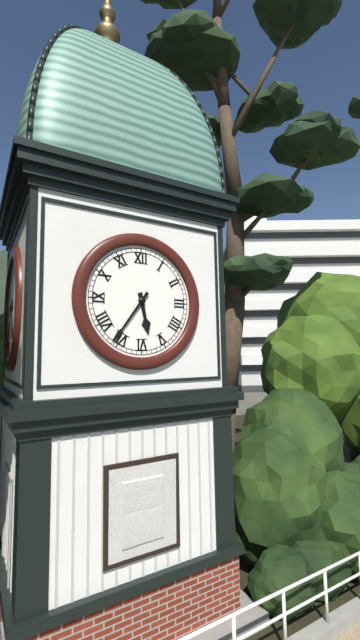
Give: 5:36
